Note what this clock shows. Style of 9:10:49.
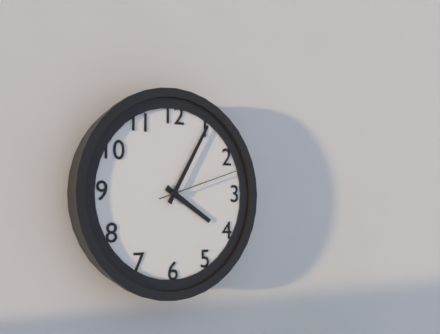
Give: 4:05:12
